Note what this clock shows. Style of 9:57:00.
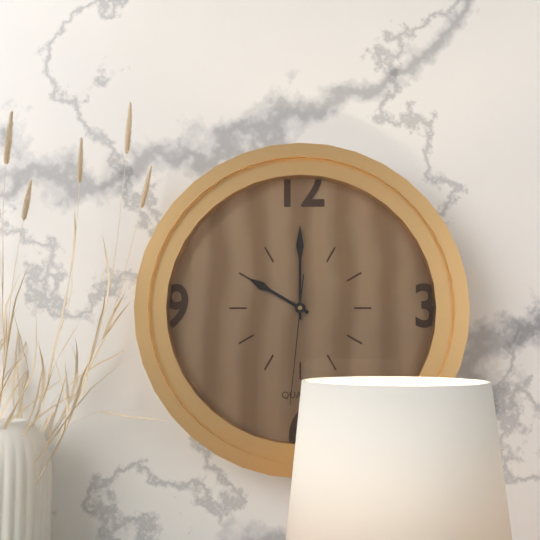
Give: 10:00:31
